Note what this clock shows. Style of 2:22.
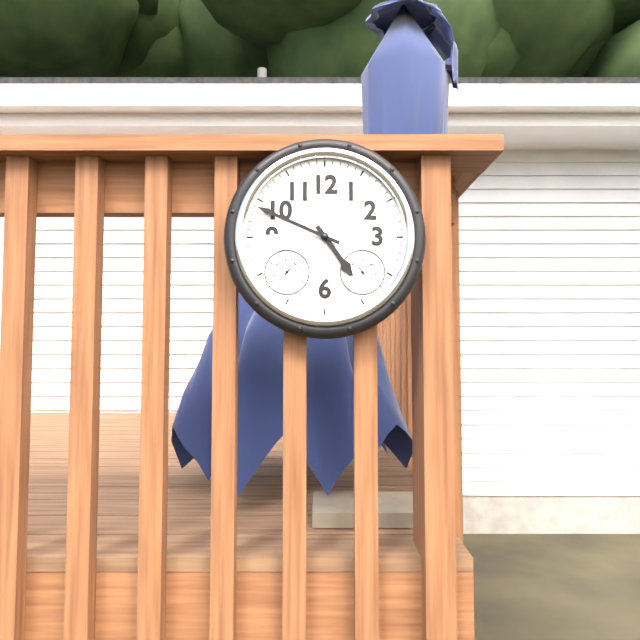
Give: 4:49
